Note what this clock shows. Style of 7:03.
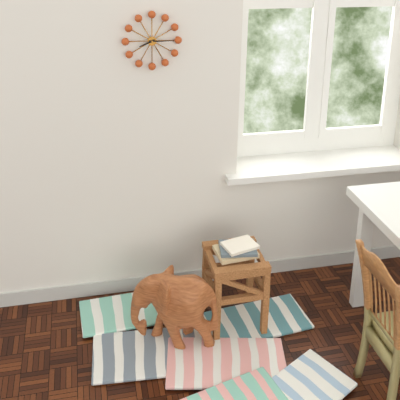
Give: 8:15
